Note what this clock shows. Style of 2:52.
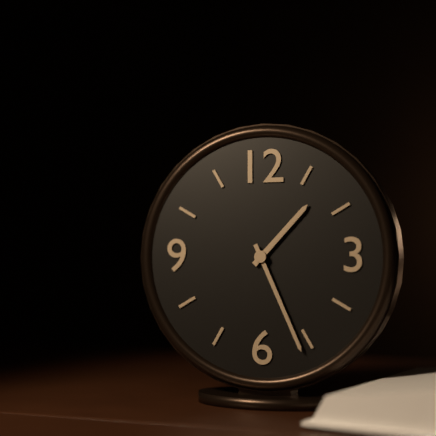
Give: 1:26
